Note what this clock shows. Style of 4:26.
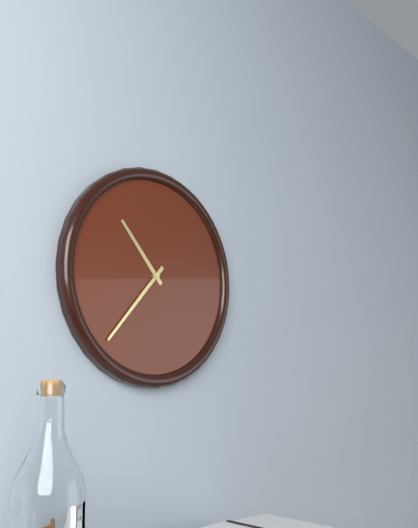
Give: 10:37
